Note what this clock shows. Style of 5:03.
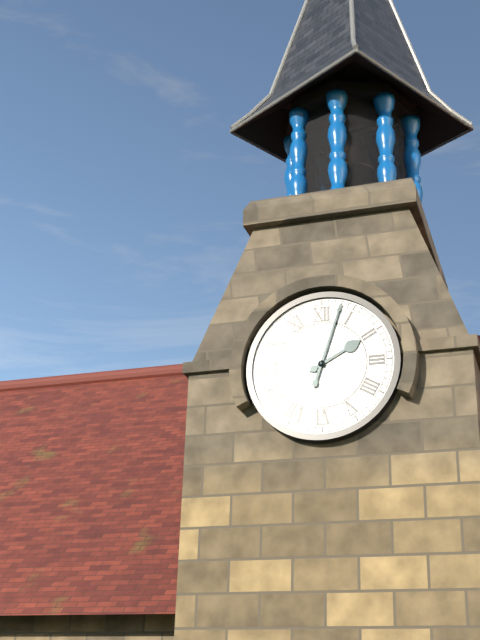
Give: 2:03
